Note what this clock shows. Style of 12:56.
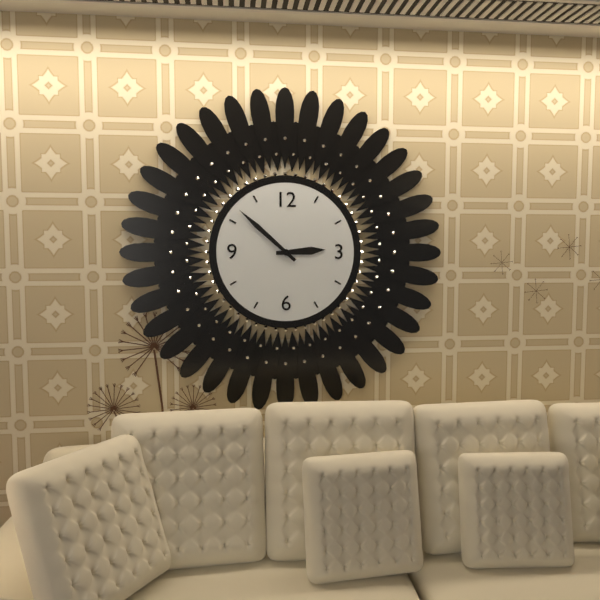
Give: 2:52
